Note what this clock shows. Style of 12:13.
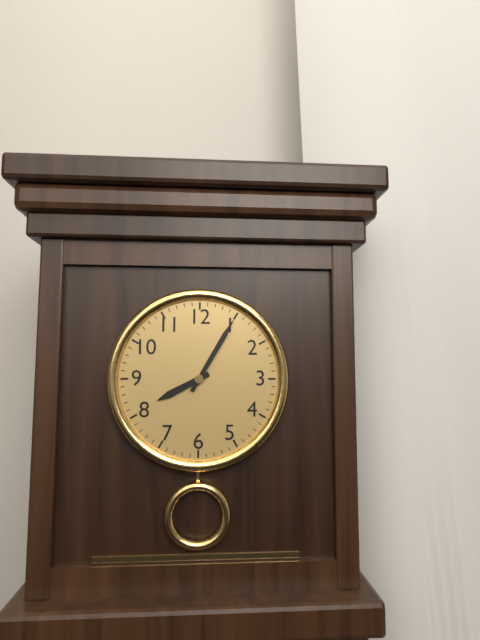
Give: 8:05
